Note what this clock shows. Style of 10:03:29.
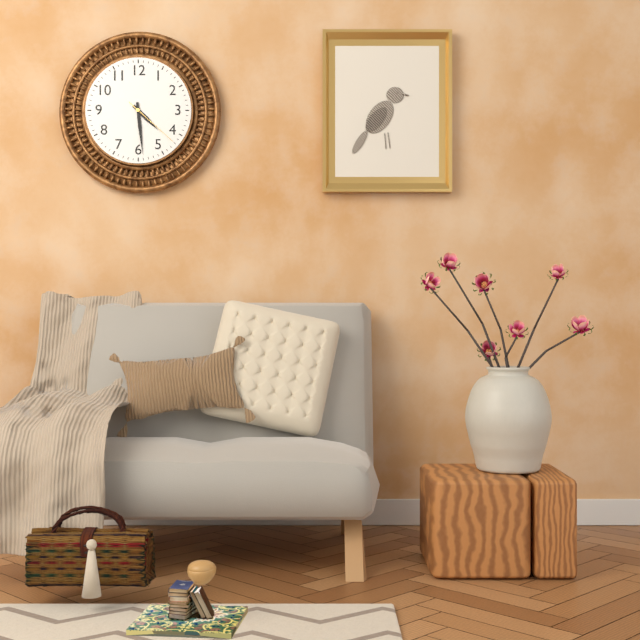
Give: 4:29:22
